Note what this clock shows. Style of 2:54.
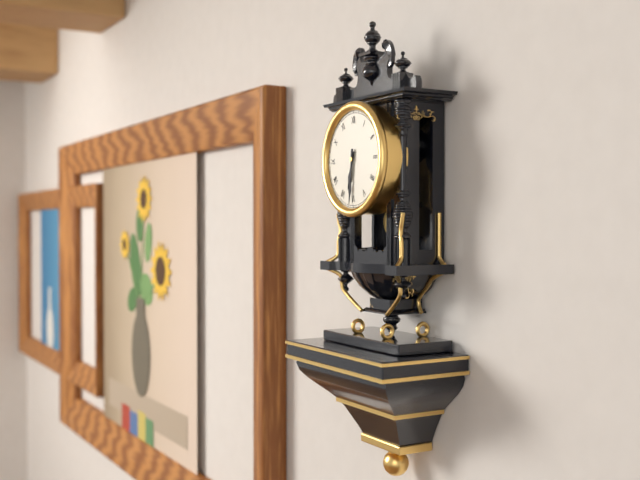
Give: 6:31
